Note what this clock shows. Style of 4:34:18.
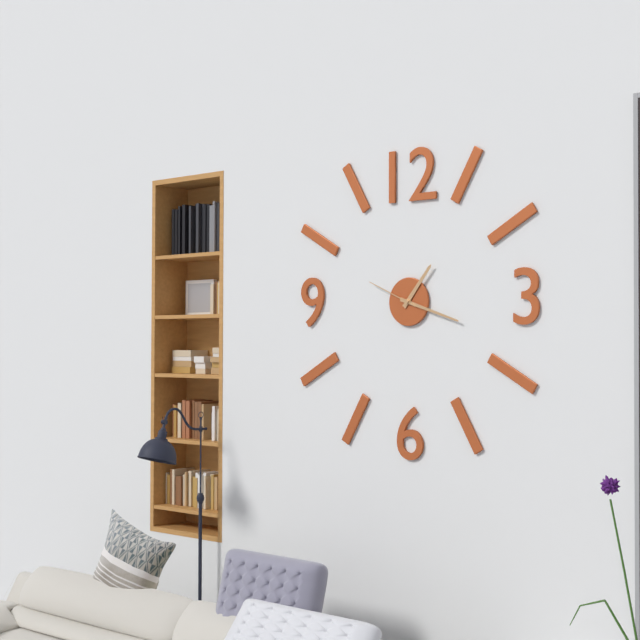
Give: 1:18:49
